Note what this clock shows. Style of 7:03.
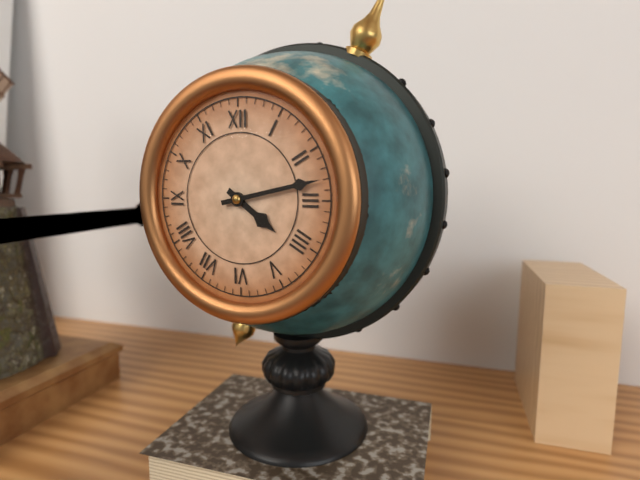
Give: 4:13
